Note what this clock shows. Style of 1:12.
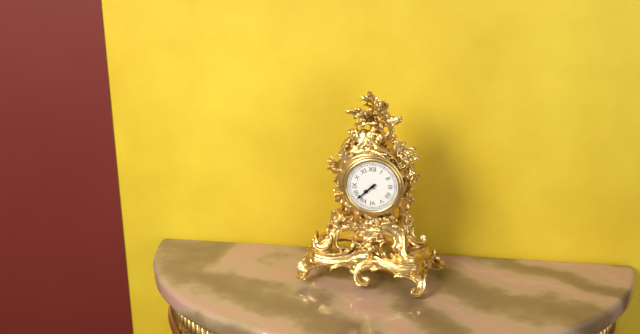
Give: 7:38
